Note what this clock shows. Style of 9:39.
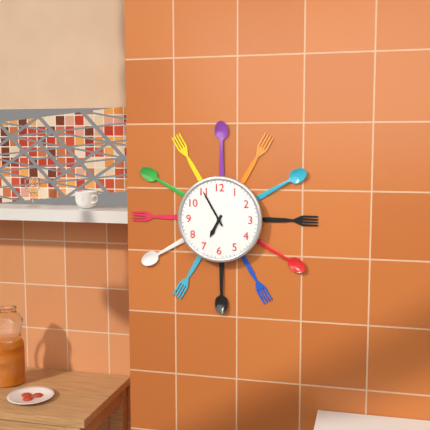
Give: 6:55
